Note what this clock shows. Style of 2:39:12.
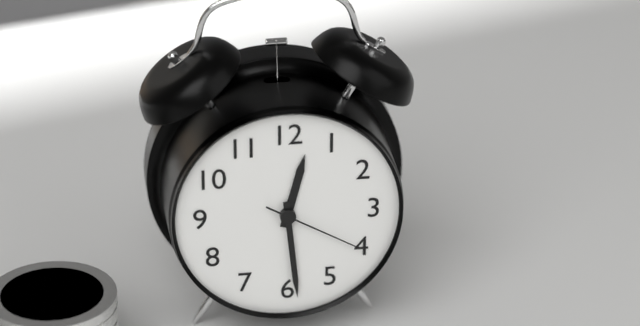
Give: 12:29:20
